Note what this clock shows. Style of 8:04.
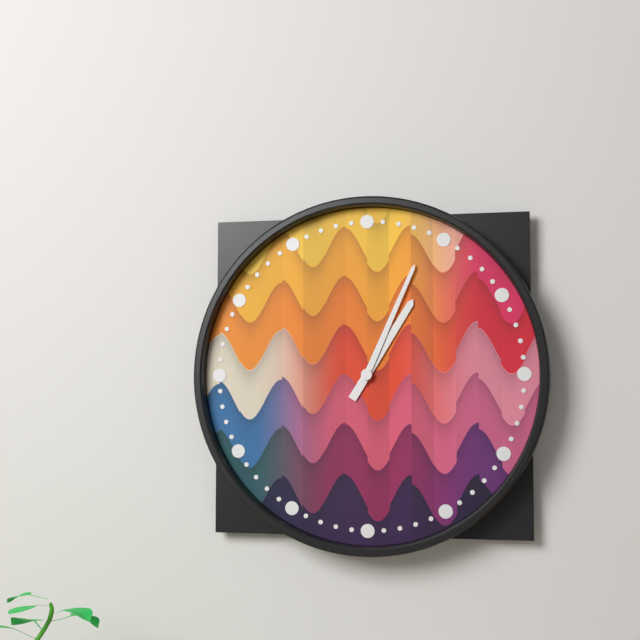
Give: 1:04
